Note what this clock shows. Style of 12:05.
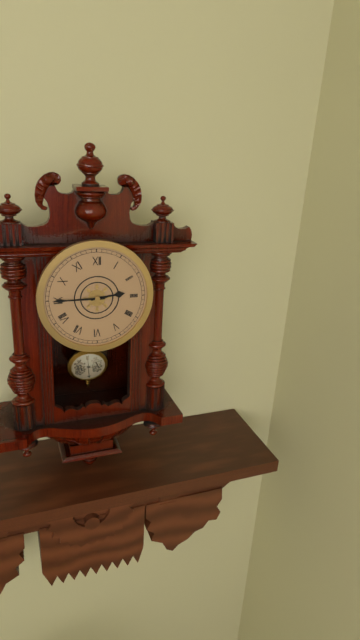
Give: 2:45
